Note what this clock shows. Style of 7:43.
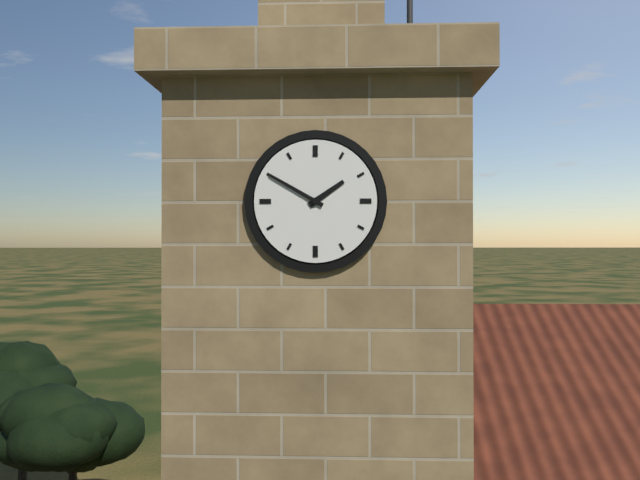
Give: 1:50
